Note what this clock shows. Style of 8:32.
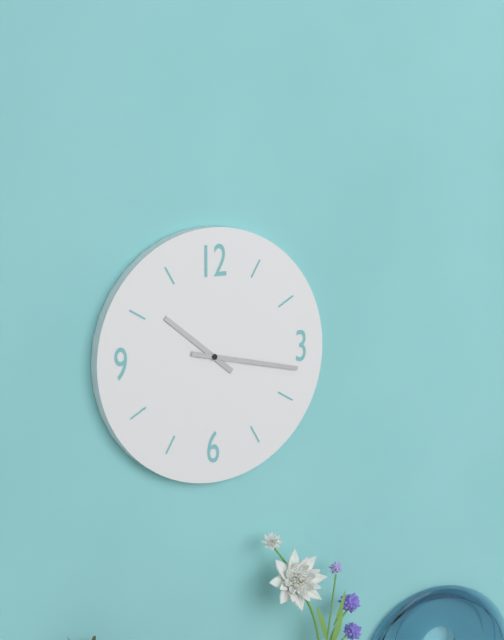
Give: 10:17
